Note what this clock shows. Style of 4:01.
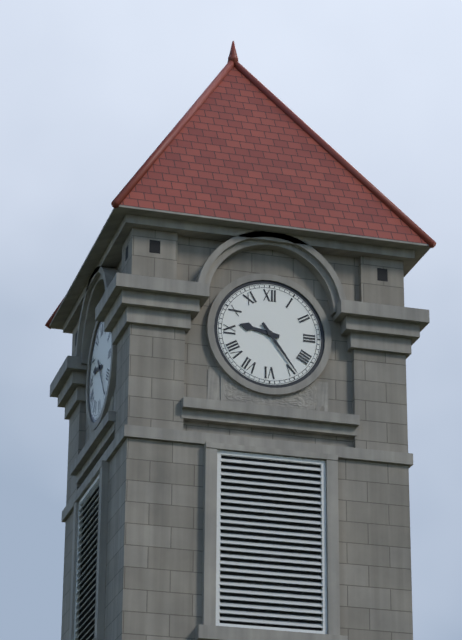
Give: 9:24
